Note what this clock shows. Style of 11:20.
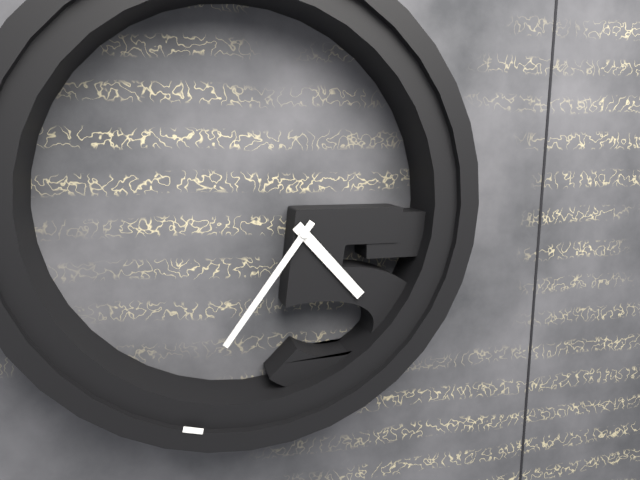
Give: 4:36
